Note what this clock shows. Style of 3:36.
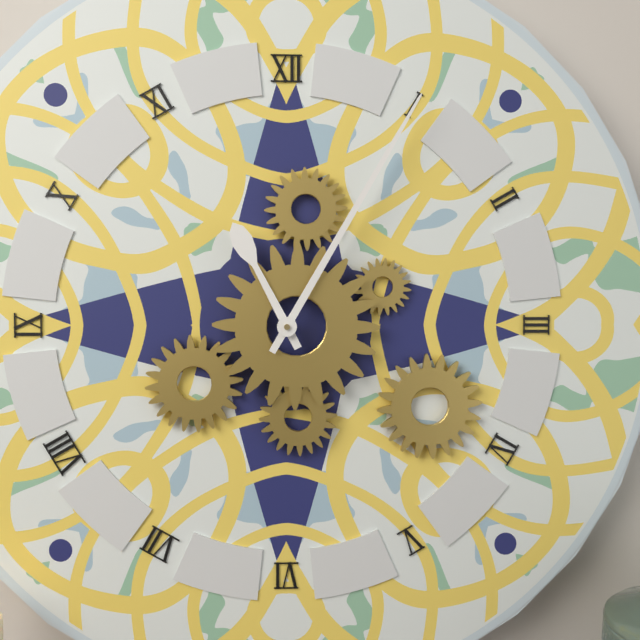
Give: 11:05
